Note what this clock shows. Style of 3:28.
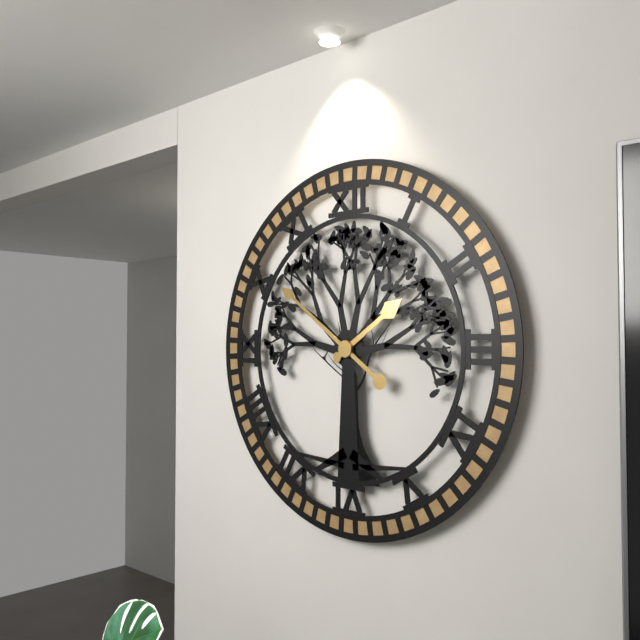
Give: 1:51
